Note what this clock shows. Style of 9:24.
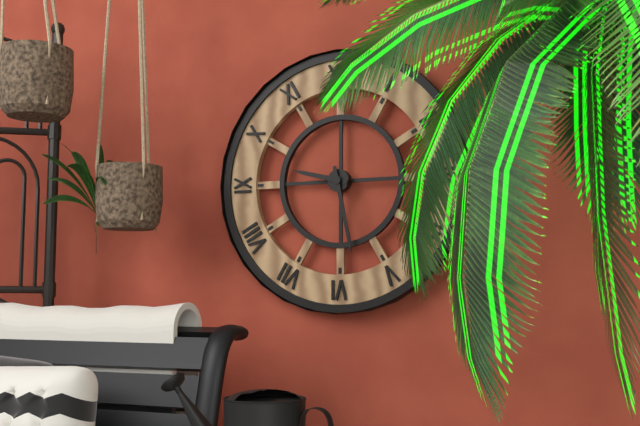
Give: 9:28
